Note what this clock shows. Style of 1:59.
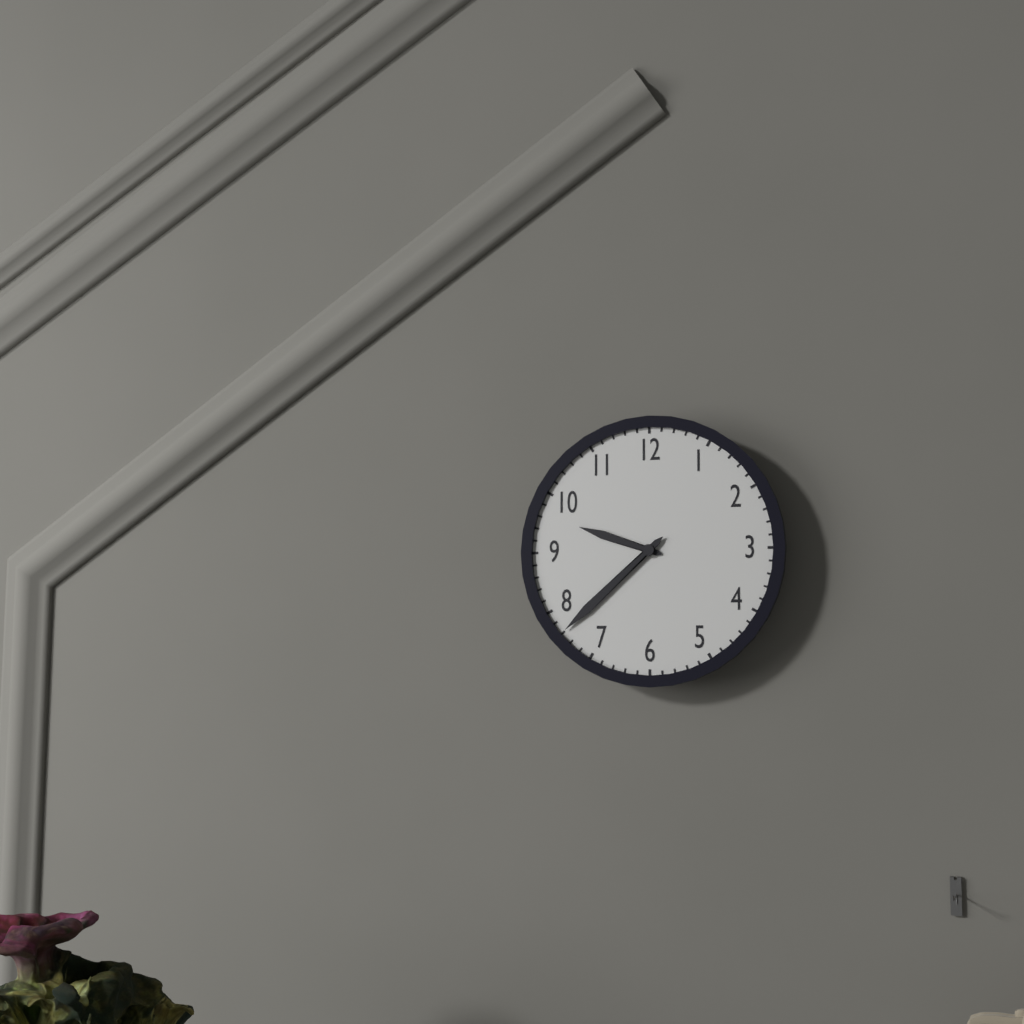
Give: 9:38
